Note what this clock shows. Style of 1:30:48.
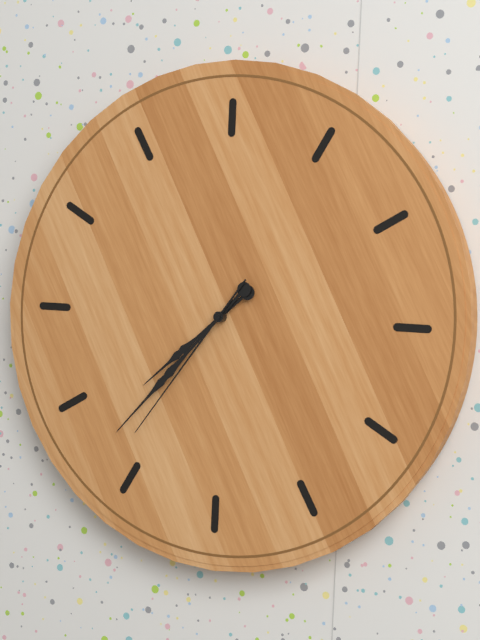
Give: 7:37:36
